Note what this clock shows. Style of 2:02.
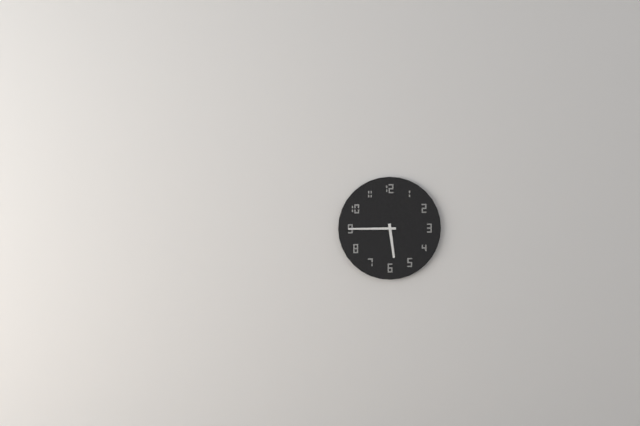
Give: 5:45
